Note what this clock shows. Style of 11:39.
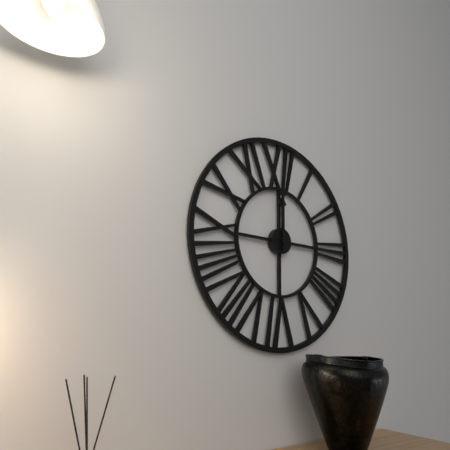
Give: 12:00
